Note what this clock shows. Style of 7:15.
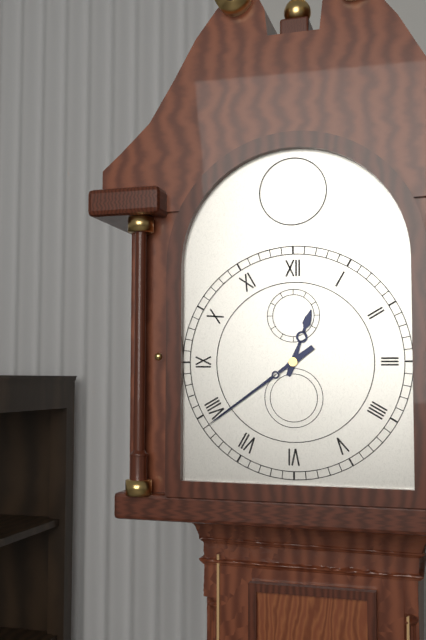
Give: 12:39
